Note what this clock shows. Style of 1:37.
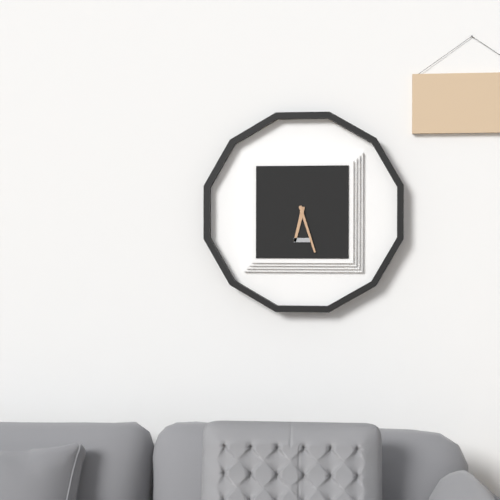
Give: 6:27
